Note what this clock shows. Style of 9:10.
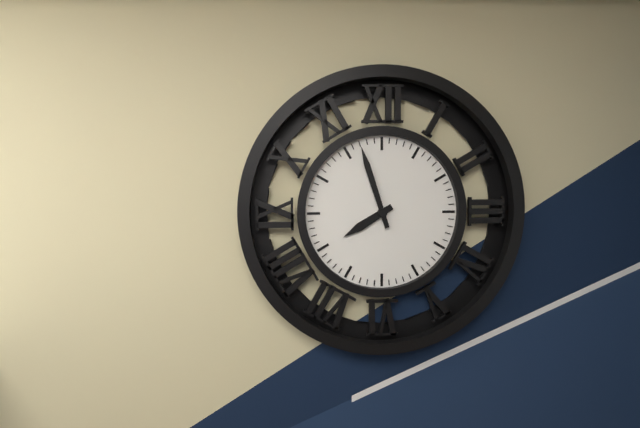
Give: 7:57
